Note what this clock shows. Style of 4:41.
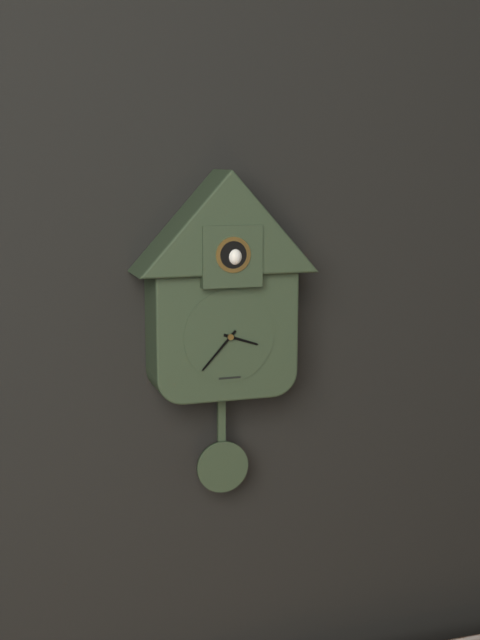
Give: 3:37
